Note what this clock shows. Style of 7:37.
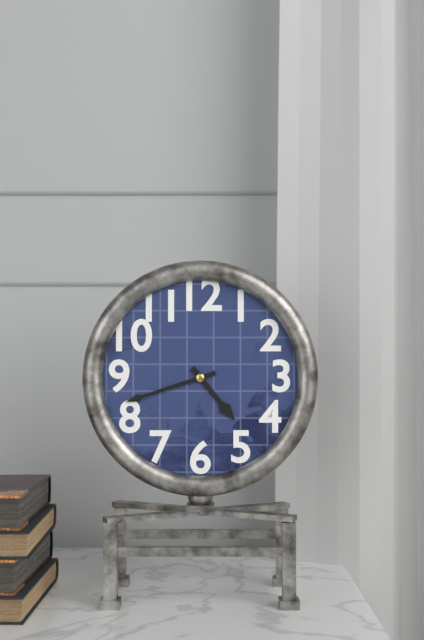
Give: 4:42
